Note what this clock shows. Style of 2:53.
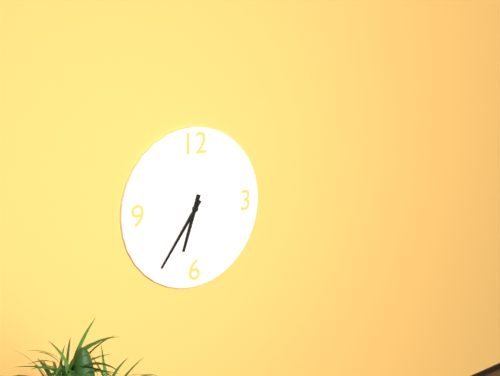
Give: 6:36
